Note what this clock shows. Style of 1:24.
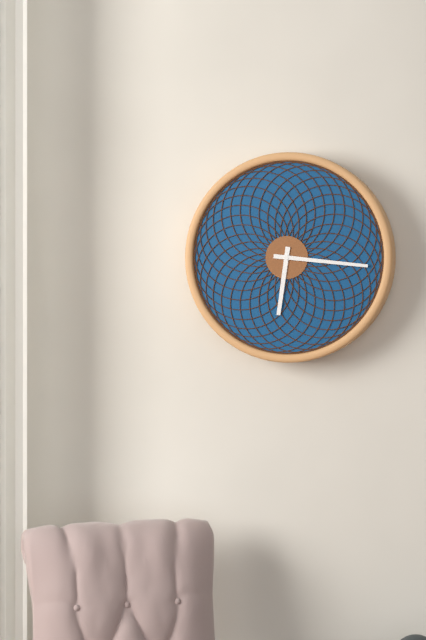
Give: 6:16
